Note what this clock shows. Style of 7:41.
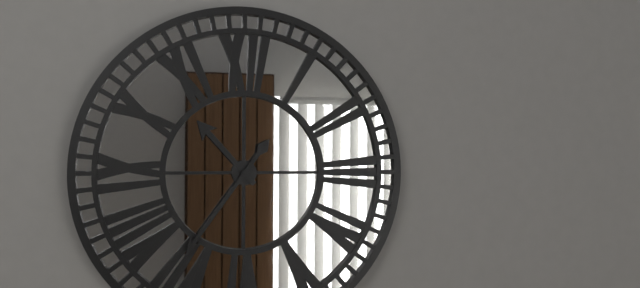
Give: 10:36
